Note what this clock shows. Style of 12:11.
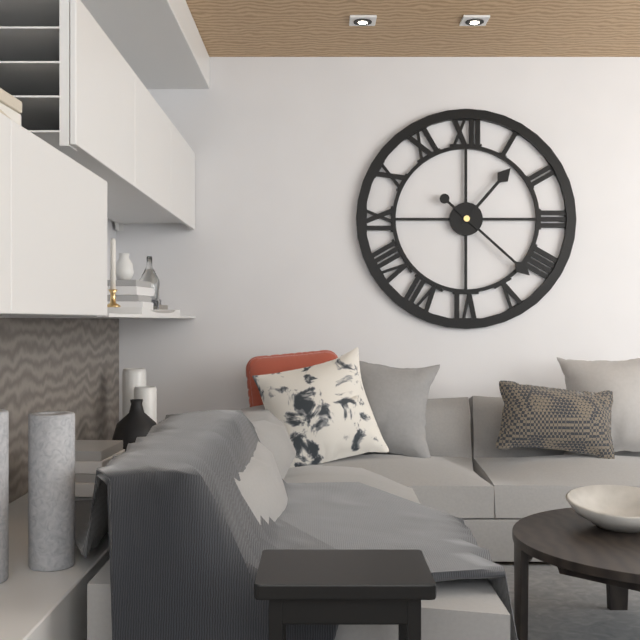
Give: 1:22
